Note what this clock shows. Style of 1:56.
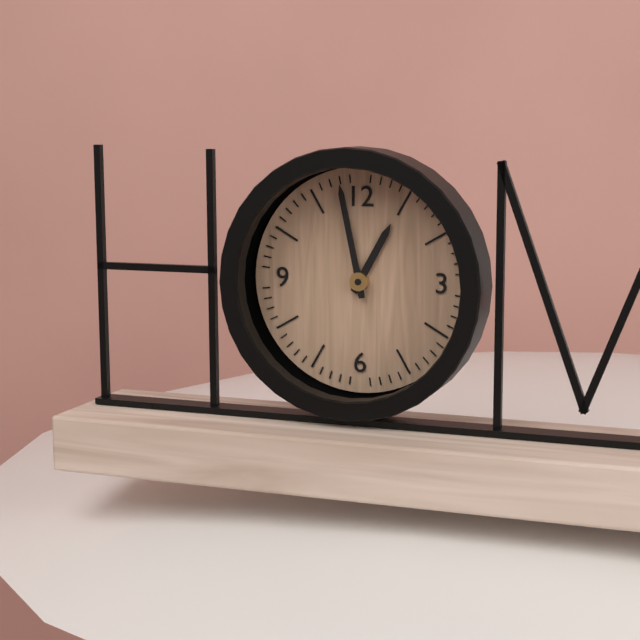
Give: 12:58
